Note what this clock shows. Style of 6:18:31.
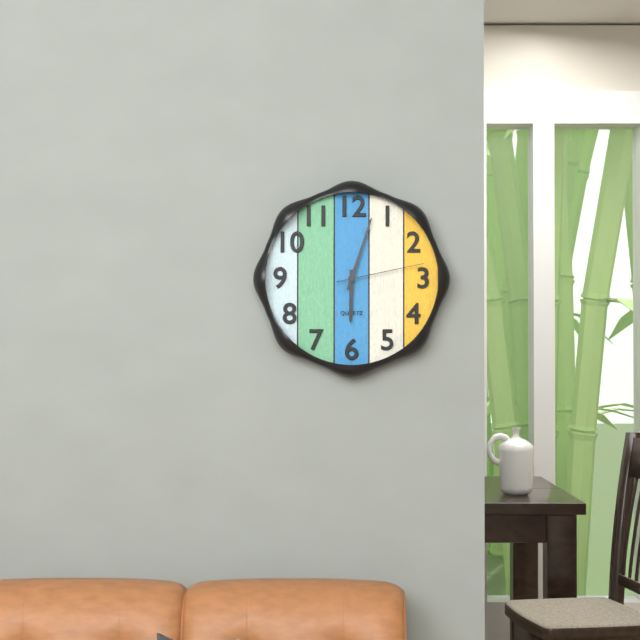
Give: 6:03:13
